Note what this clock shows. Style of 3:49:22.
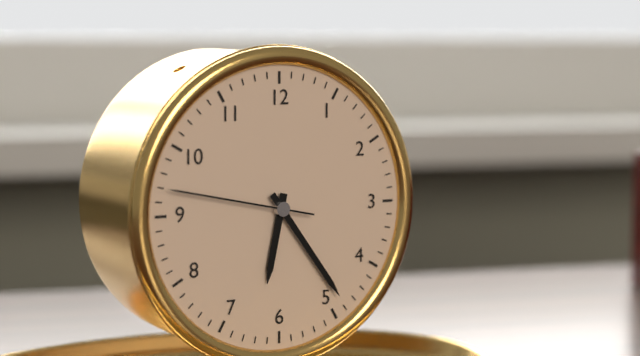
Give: 6:24:47
